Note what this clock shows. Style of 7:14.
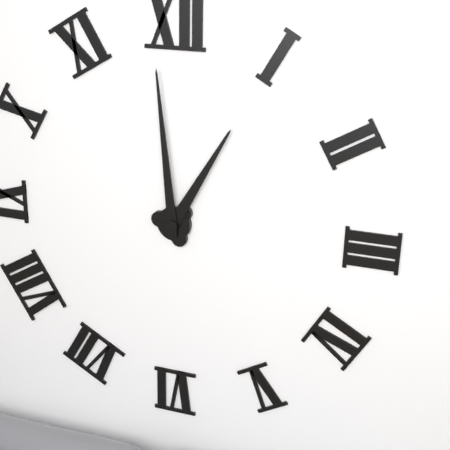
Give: 12:59
